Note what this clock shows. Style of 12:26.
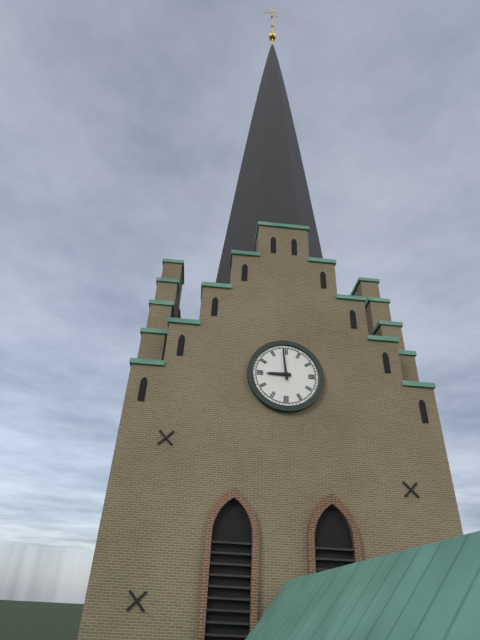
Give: 8:59
